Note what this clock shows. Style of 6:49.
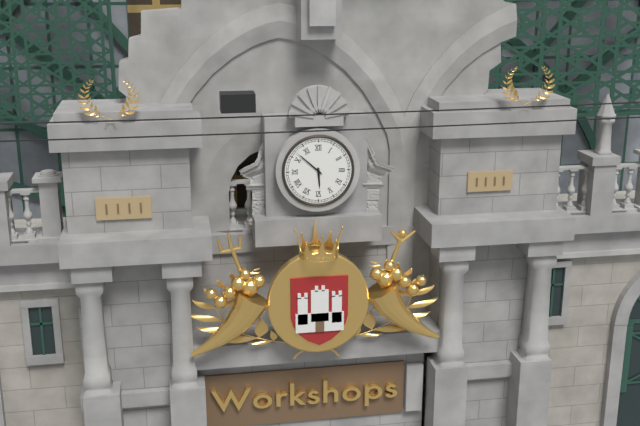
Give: 5:52
